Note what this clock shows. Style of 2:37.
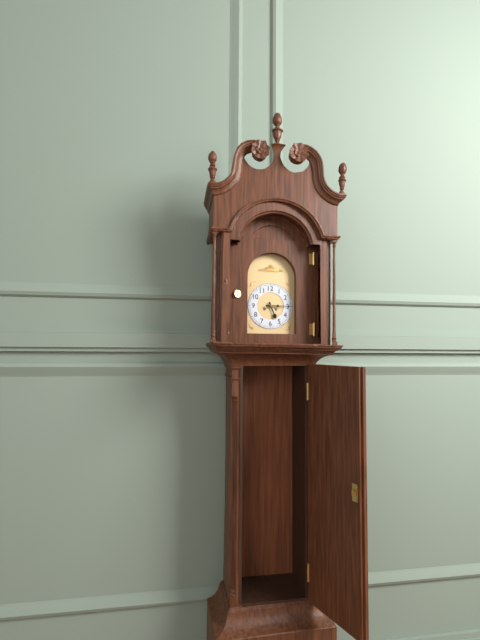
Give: 5:15
